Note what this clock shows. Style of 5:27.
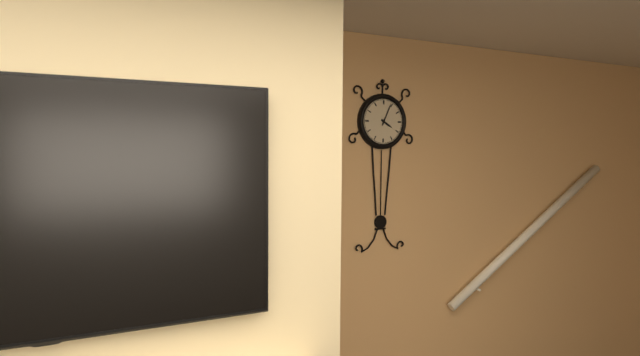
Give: 4:04
